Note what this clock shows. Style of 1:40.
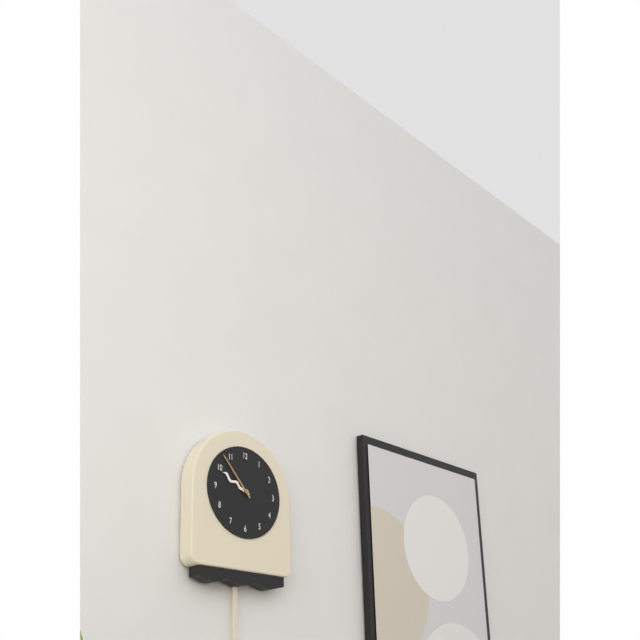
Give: 9:53
